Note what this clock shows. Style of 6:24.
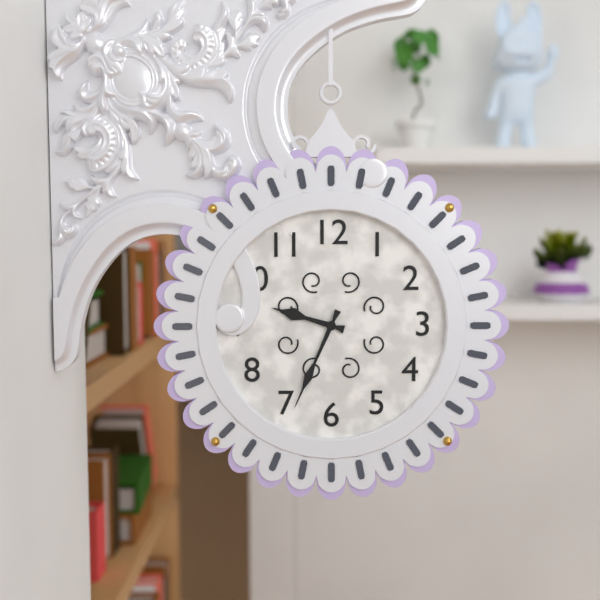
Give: 9:34
